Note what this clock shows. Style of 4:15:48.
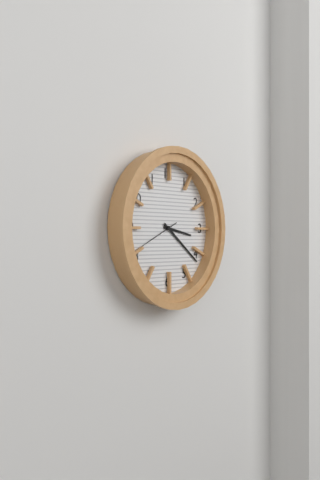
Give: 3:21:41
